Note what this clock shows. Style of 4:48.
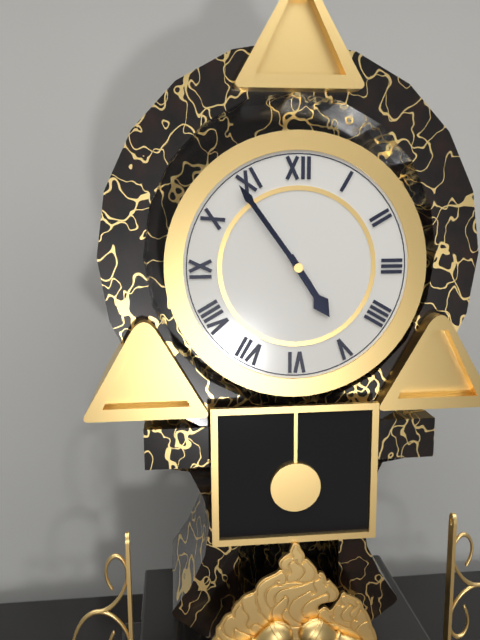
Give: 4:54
